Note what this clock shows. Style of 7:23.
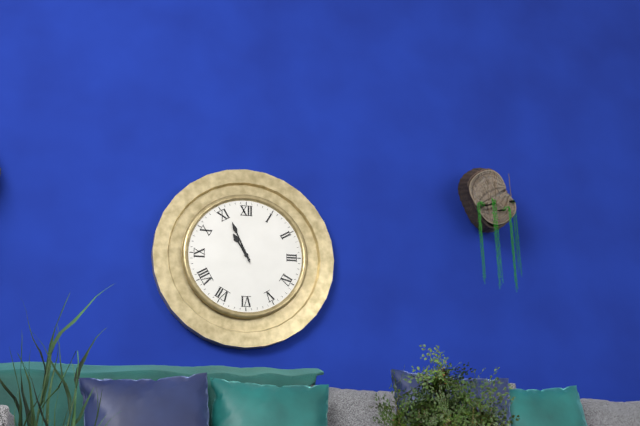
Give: 10:56
